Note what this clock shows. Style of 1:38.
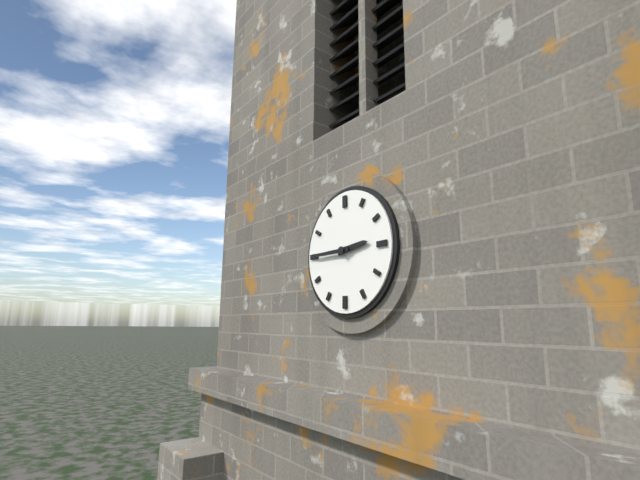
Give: 2:45
